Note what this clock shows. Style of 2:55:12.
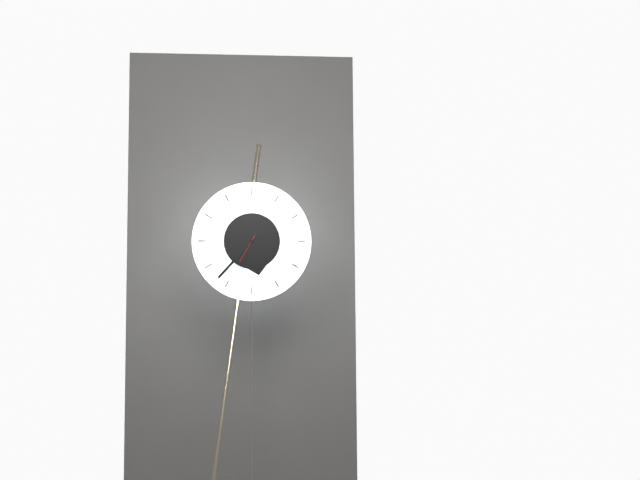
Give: 5:37:35
